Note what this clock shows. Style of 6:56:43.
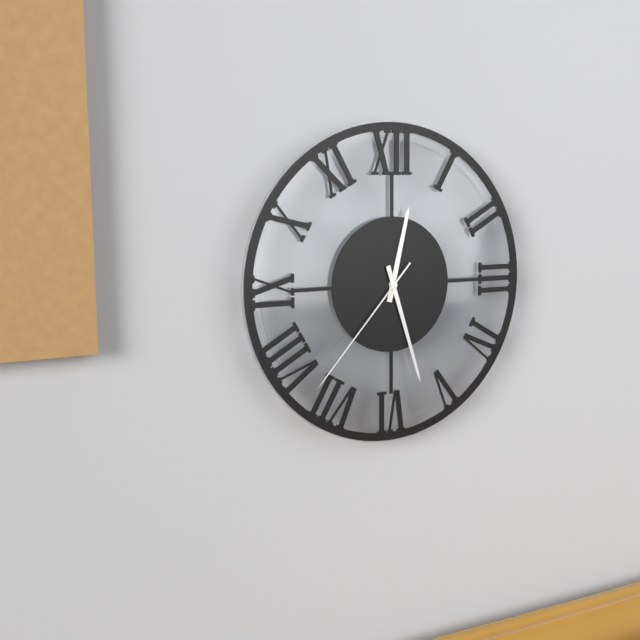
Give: 12:27:37
